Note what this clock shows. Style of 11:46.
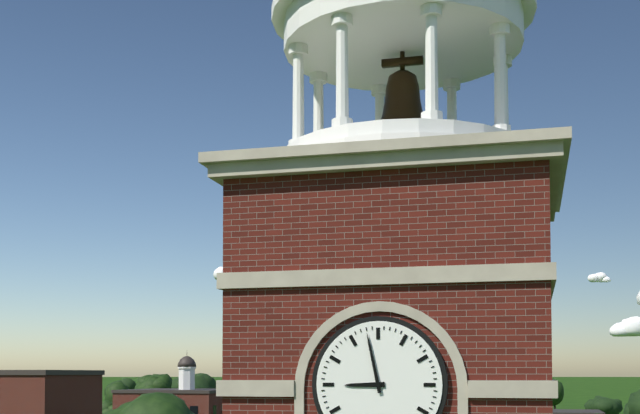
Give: 8:58
